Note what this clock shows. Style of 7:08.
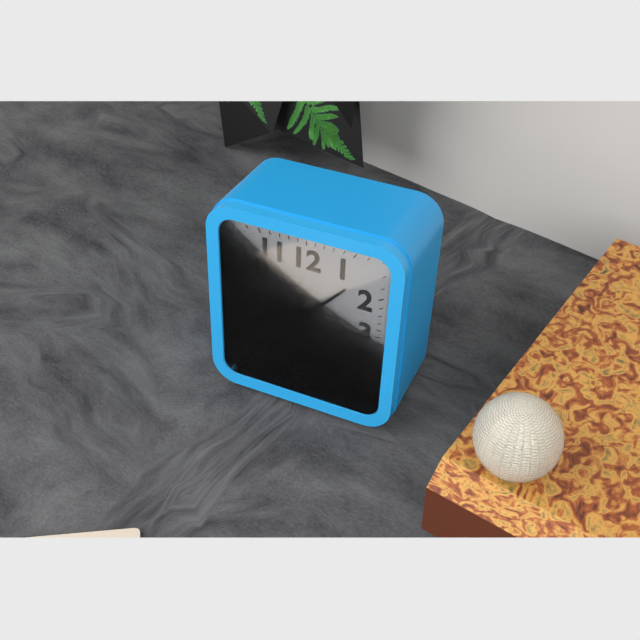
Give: 8:07
